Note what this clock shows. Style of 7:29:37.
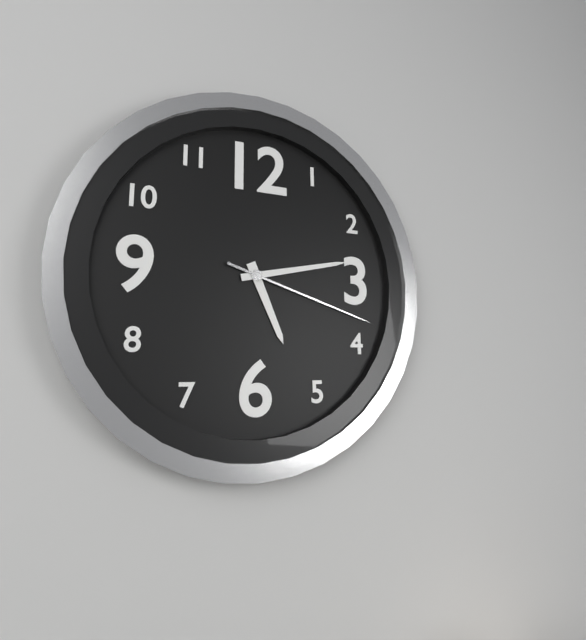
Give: 5:13:18
